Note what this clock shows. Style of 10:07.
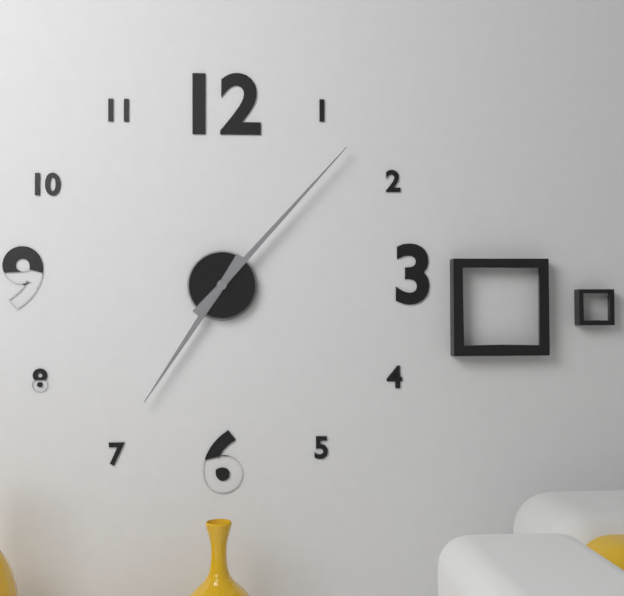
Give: 7:07
